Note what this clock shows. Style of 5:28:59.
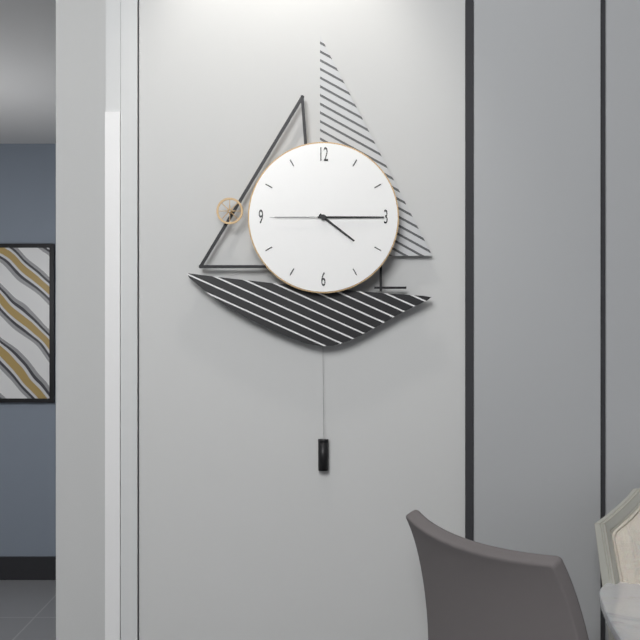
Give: 4:15:45
